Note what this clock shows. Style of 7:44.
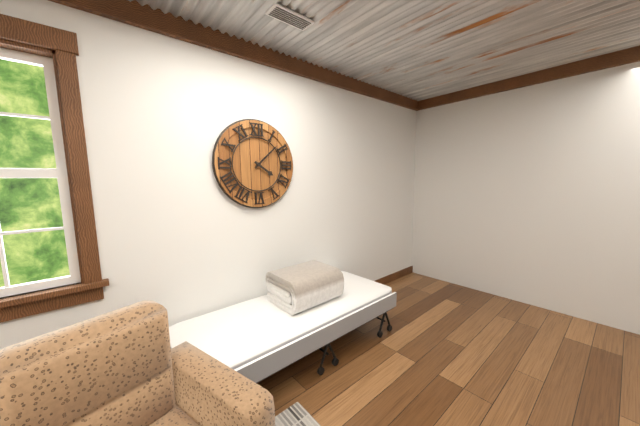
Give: 4:08
